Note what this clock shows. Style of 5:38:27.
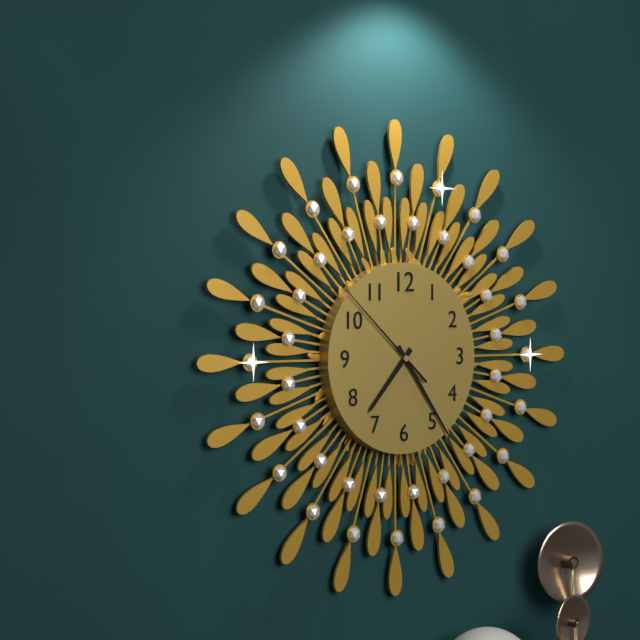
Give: 7:24:52
